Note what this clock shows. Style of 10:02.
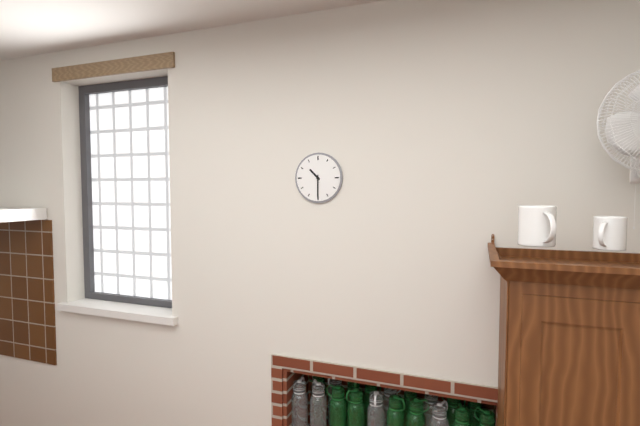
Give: 10:30
